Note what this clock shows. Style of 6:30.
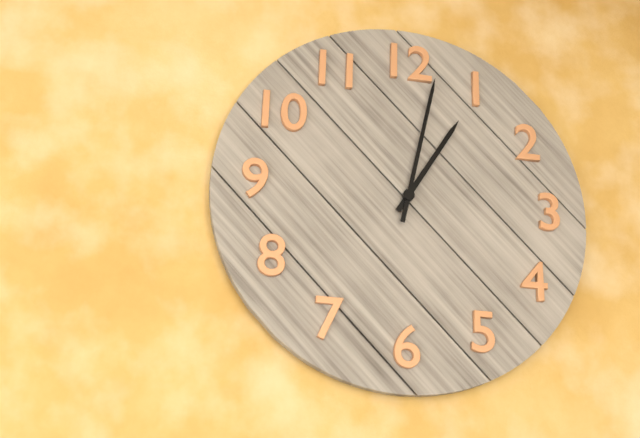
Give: 1:02
